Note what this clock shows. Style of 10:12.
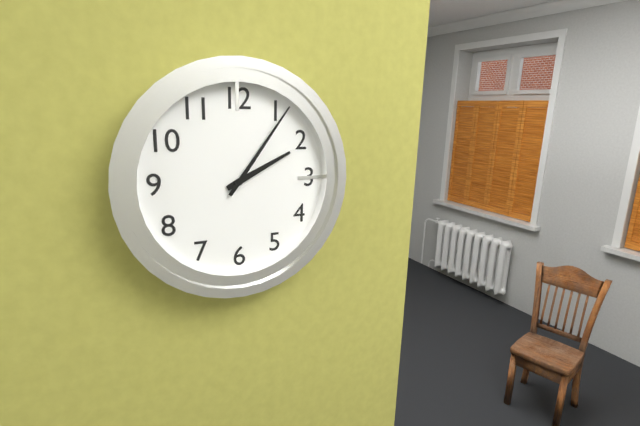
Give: 2:06
